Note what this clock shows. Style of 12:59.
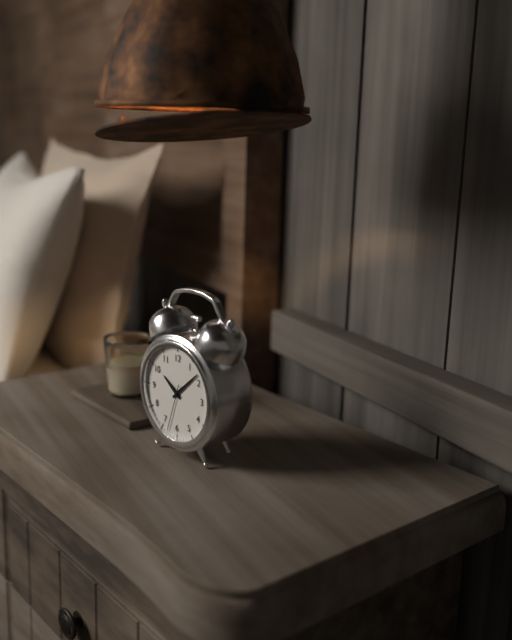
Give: 10:08
